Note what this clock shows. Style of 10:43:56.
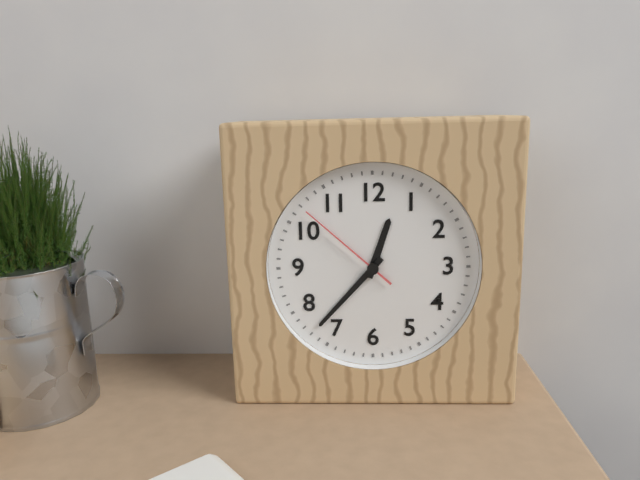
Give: 12:37:52
